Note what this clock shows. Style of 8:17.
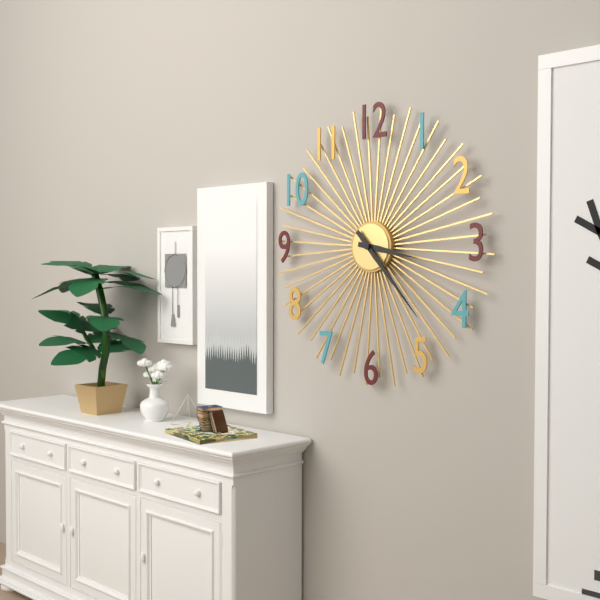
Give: 3:23
